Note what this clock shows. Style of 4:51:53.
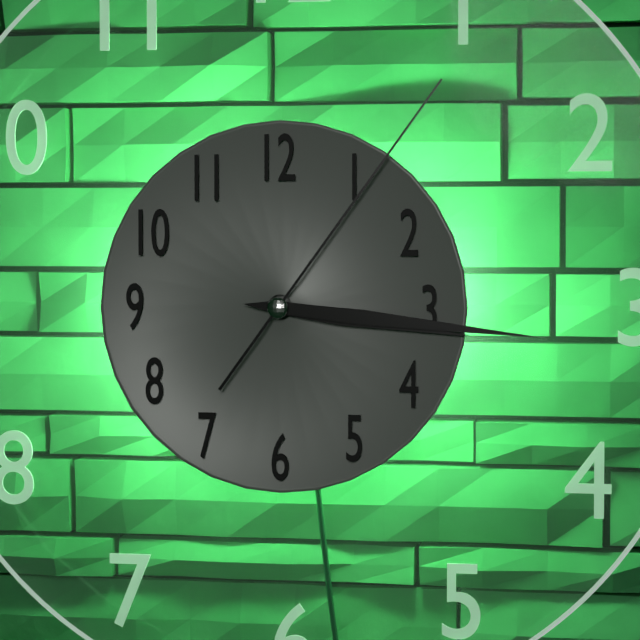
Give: 3:16:06
